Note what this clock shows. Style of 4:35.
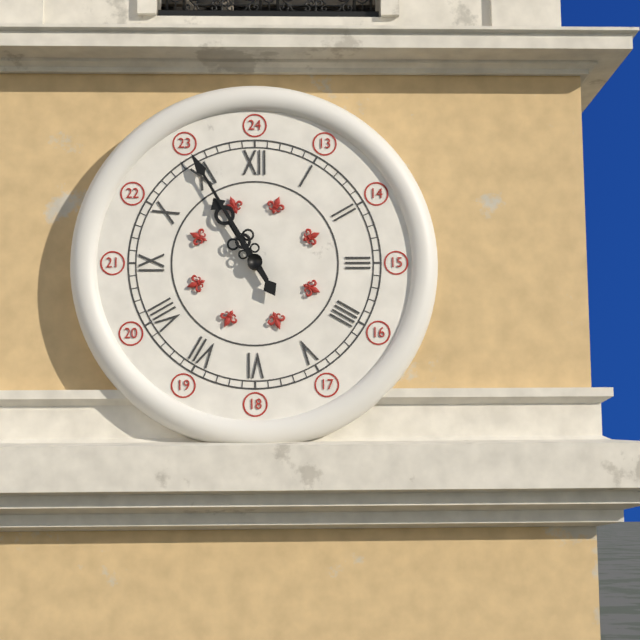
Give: 10:55
